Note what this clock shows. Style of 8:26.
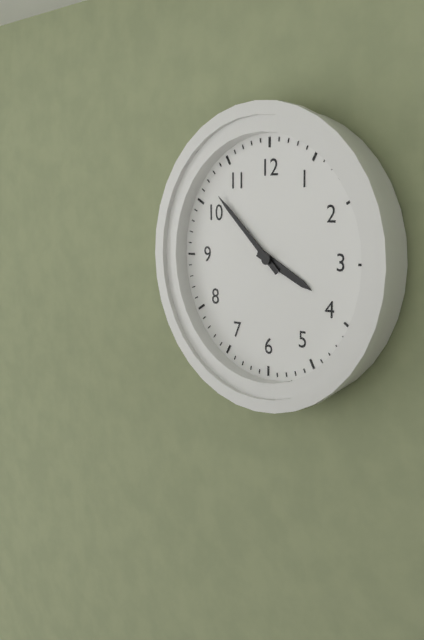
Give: 3:52
